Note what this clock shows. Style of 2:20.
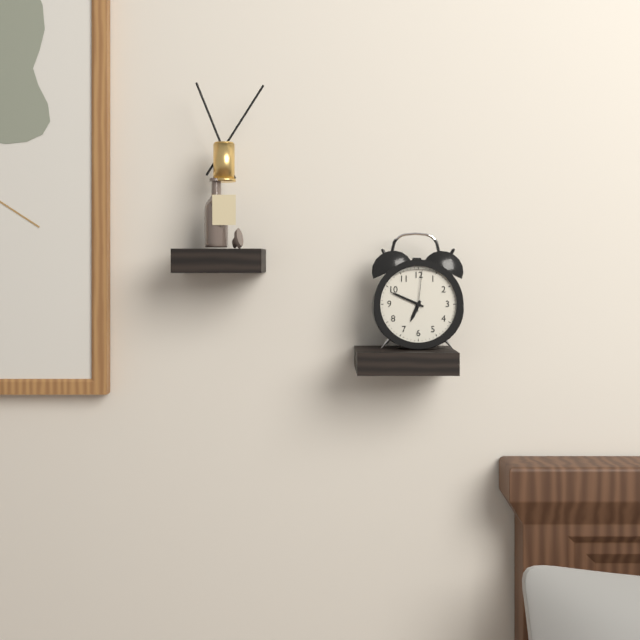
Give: 6:49
